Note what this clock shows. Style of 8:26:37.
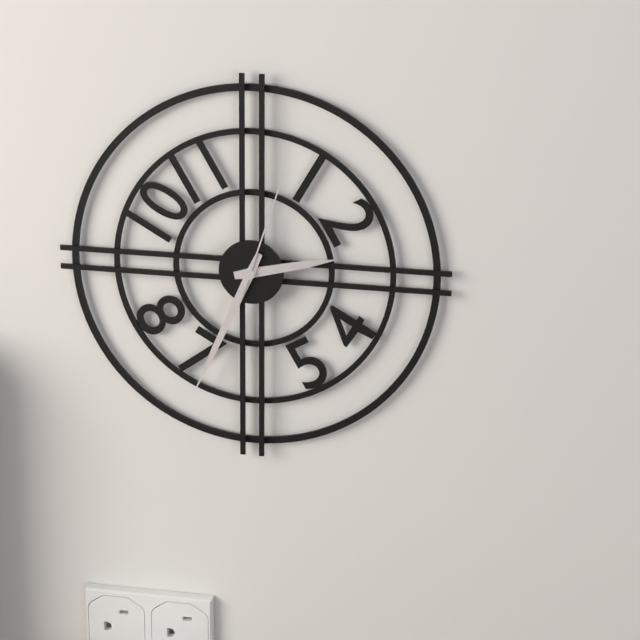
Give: 2:34:03
